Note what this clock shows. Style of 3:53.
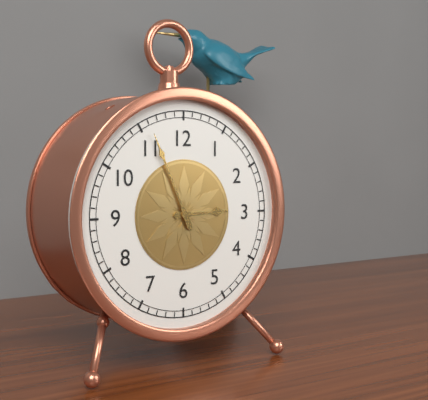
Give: 2:56
